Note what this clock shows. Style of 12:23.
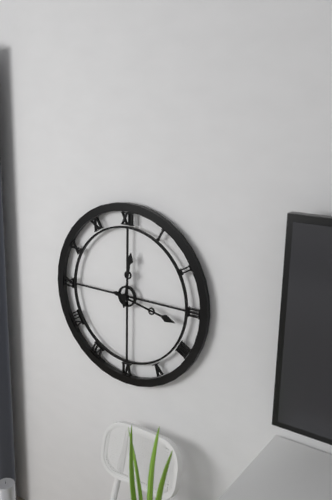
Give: 12:17
